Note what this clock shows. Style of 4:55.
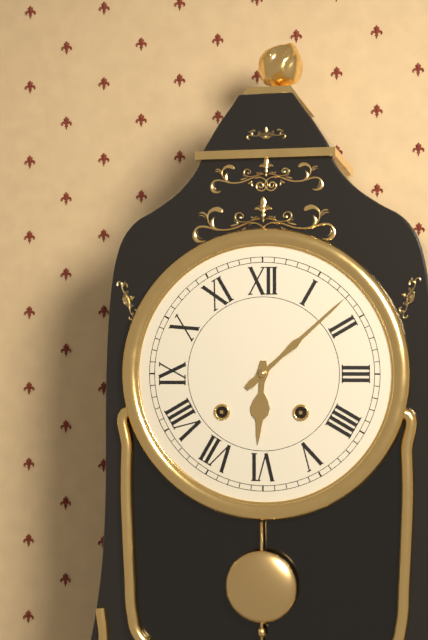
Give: 6:08
